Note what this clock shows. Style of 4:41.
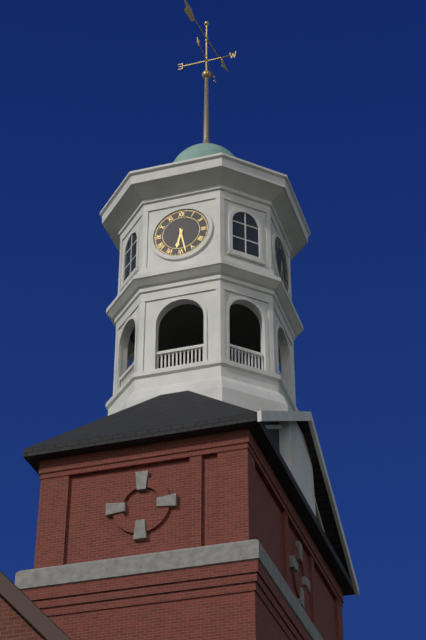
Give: 6:28
